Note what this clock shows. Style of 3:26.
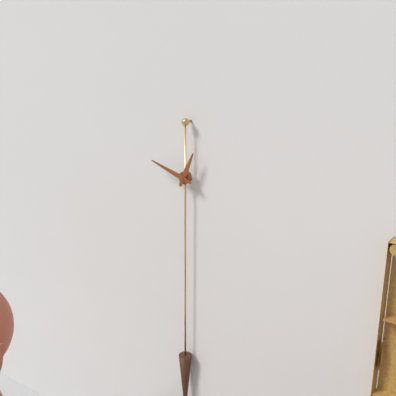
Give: 12:48
